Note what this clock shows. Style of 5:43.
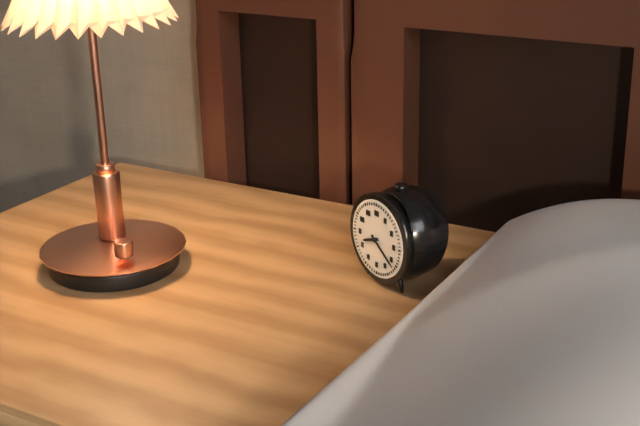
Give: 8:21
